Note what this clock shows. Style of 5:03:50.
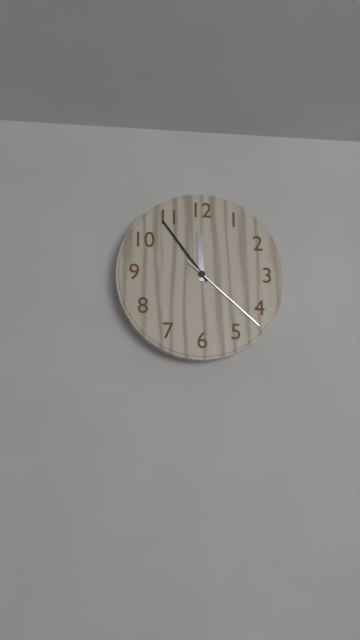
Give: 11:54:22
